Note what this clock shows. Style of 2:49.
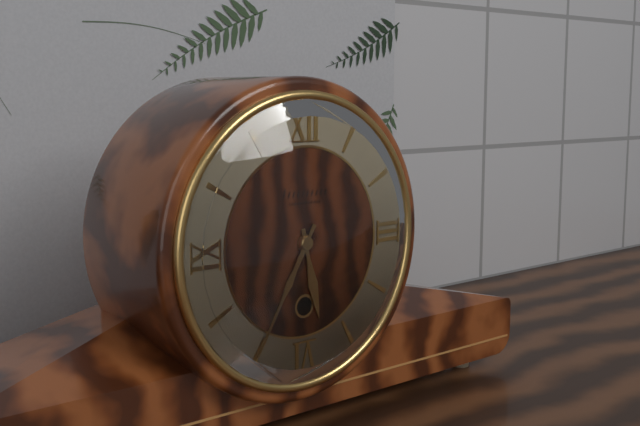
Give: 5:35
